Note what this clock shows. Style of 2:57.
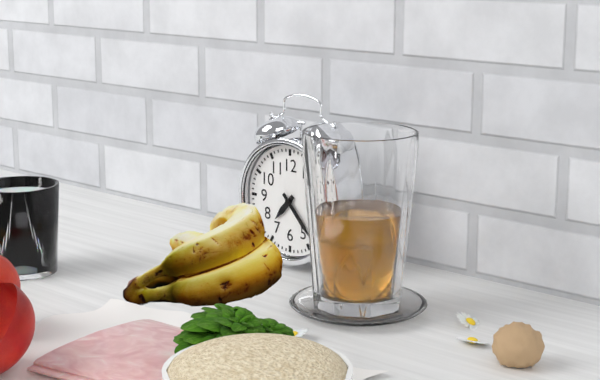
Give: 7:23
